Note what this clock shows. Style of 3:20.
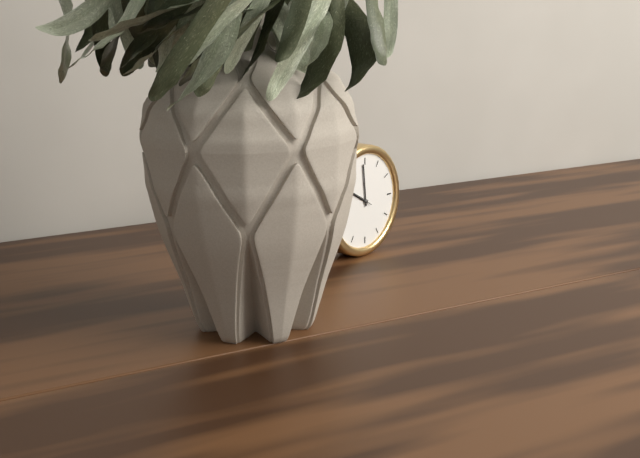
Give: 9:59
